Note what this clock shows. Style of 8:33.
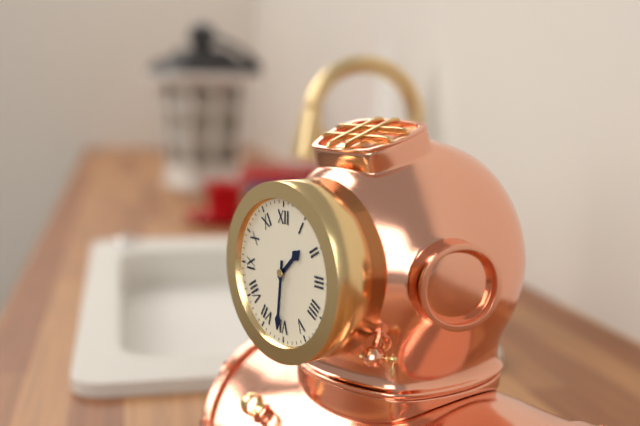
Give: 1:31
